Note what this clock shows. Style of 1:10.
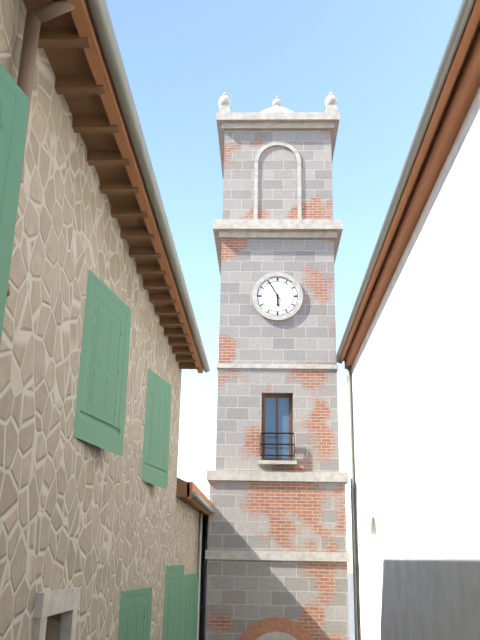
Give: 5:55
